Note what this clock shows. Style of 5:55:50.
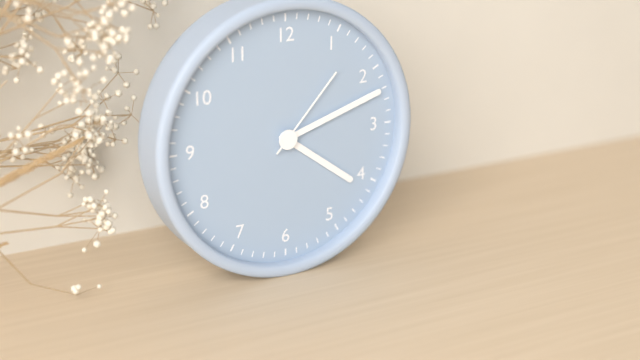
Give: 4:12:07
